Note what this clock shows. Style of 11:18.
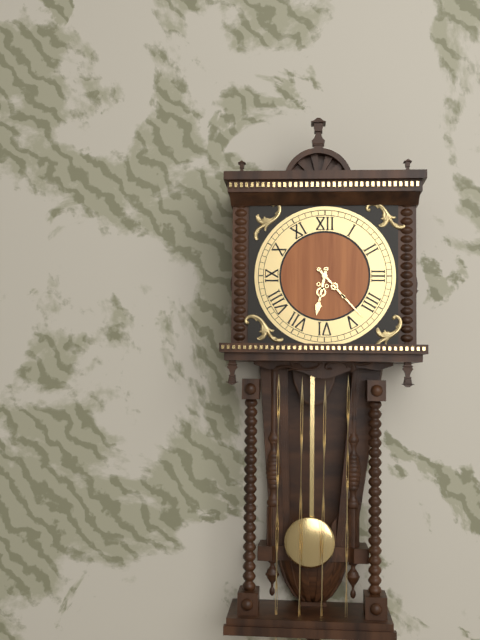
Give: 6:23
